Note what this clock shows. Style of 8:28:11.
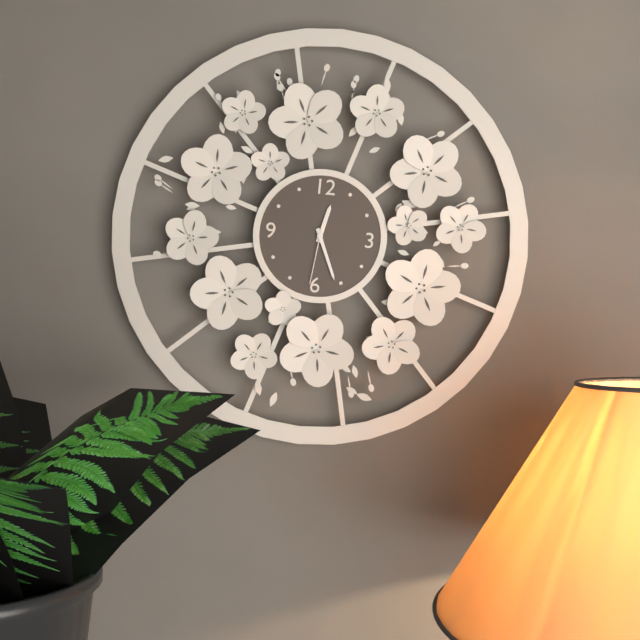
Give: 12:26:31
